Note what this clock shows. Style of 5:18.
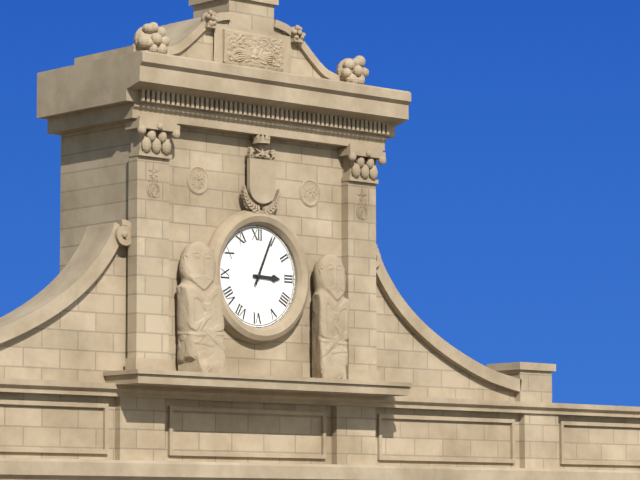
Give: 3:04
